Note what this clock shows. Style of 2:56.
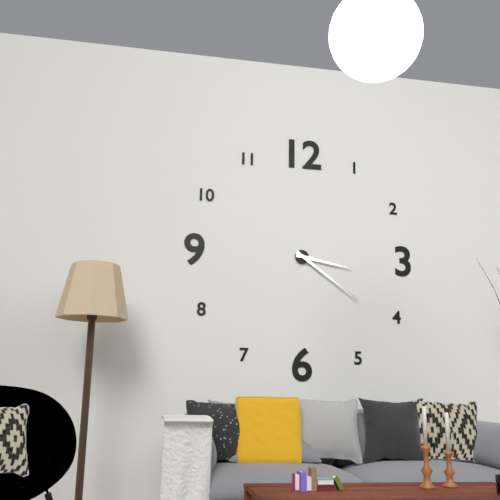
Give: 3:21
